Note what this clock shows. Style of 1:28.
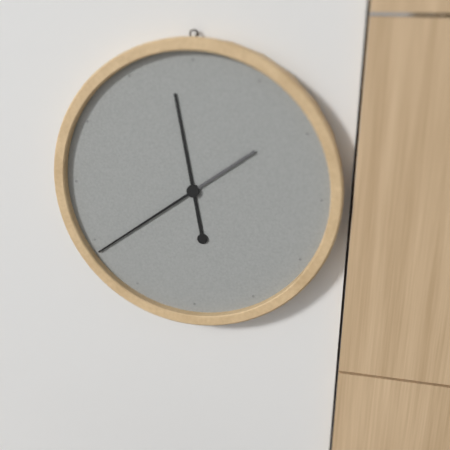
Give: 11:39
